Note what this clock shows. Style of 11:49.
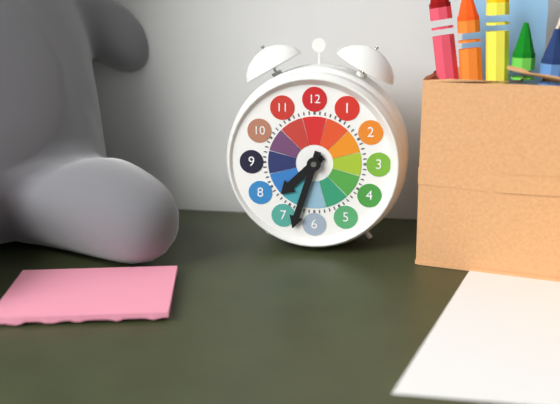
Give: 7:33
